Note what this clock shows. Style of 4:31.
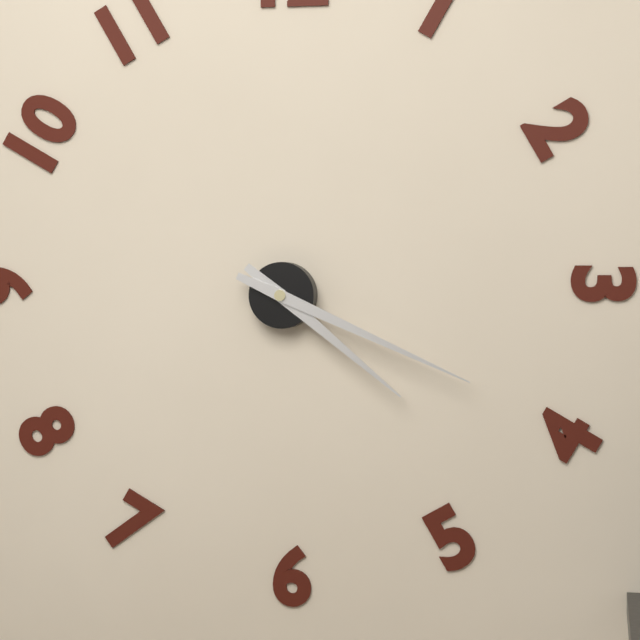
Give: 4:19
